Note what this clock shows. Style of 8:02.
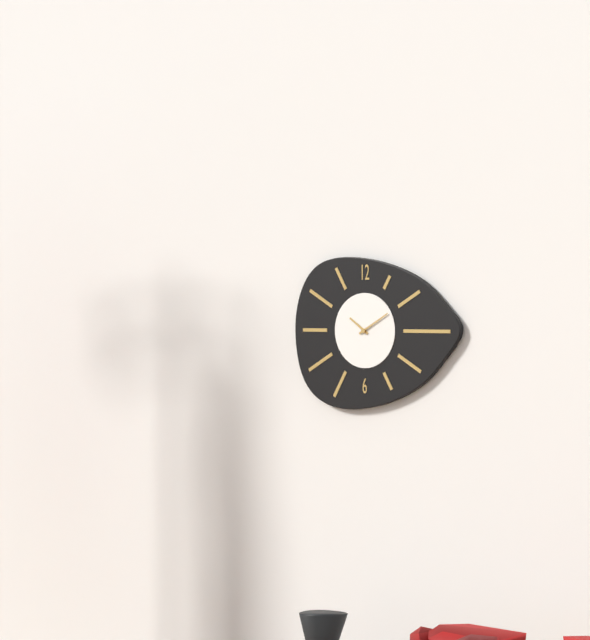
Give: 10:10
